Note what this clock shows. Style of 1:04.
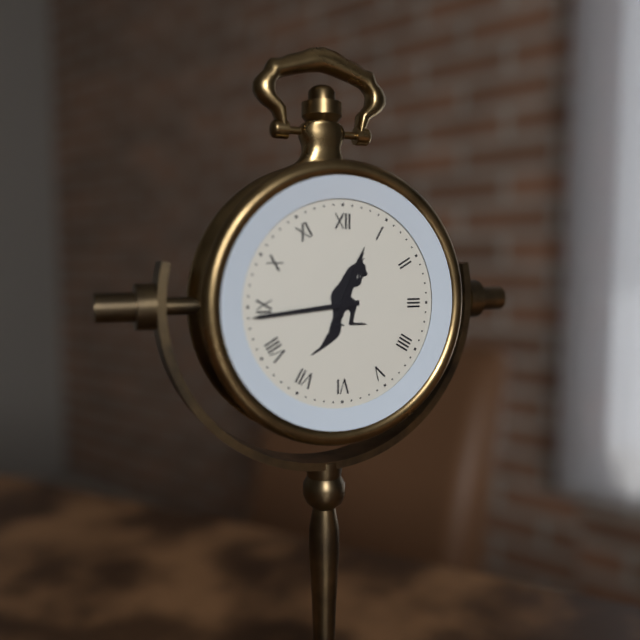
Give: 12:44
